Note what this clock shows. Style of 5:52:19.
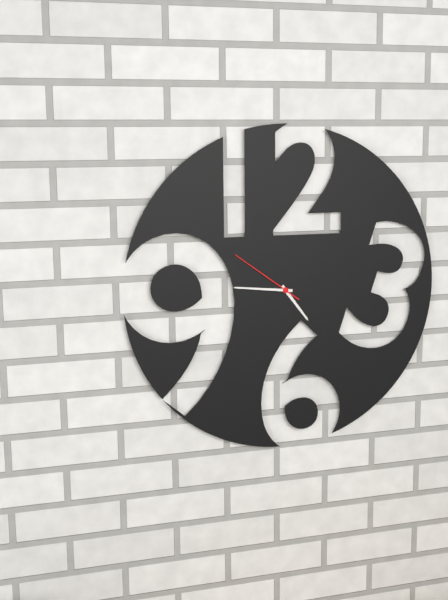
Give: 4:46:51
